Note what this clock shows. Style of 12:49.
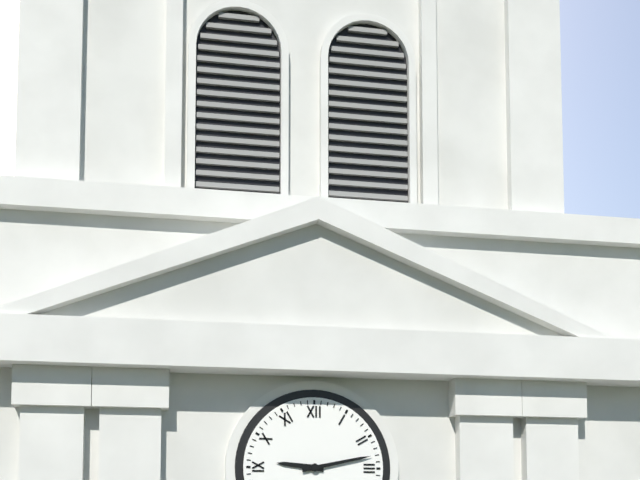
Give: 9:13
